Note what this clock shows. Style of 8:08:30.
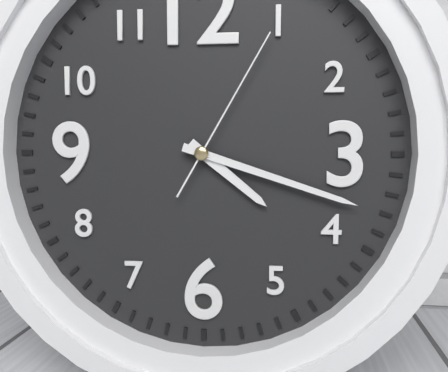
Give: 4:18:05
